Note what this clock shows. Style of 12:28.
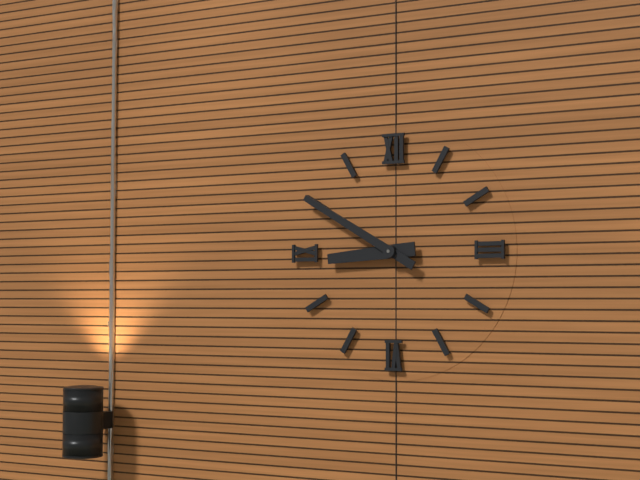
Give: 8:50
